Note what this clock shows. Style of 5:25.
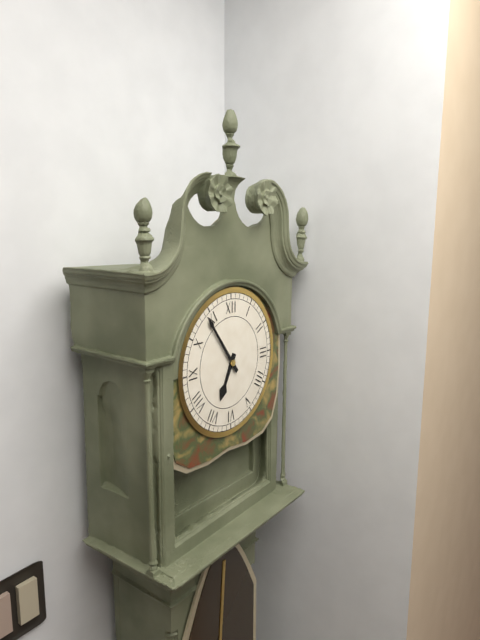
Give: 6:54
